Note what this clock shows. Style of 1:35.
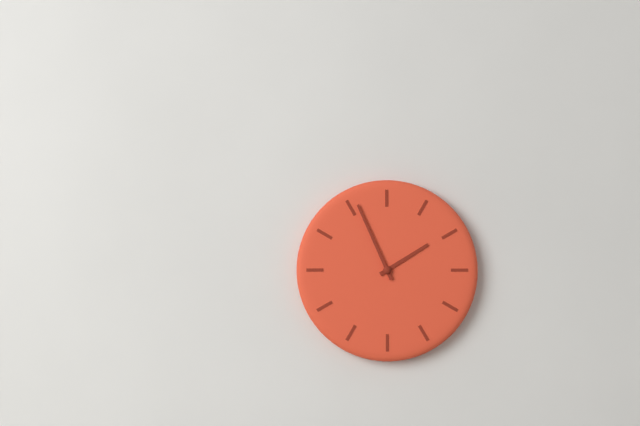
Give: 1:56
